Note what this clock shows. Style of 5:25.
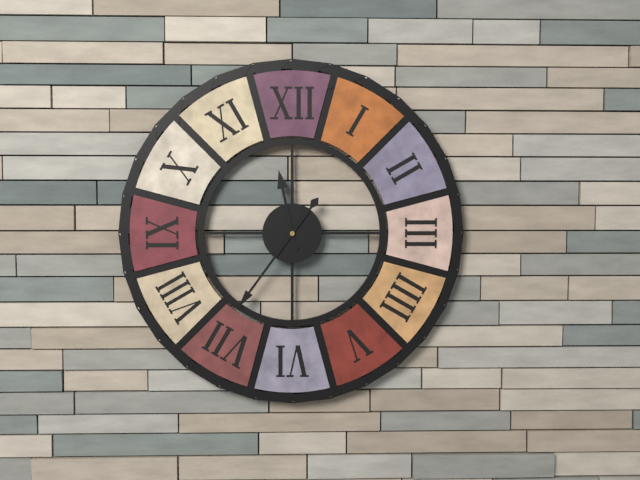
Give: 11:36
